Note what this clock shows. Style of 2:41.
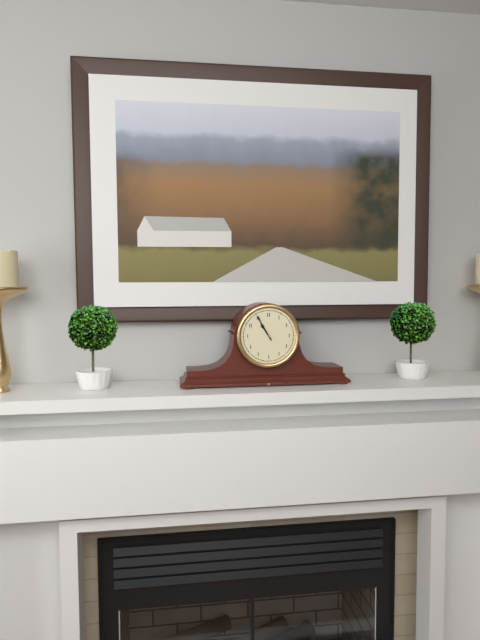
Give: 10:55
